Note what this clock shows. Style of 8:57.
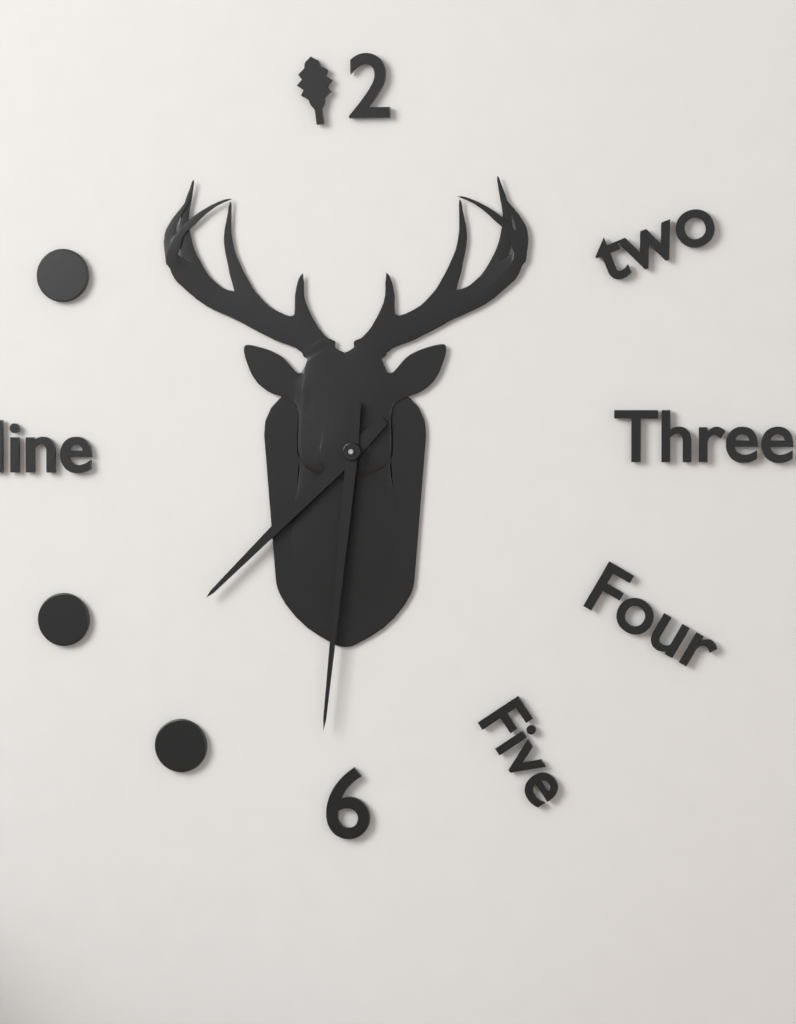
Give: 7:31
